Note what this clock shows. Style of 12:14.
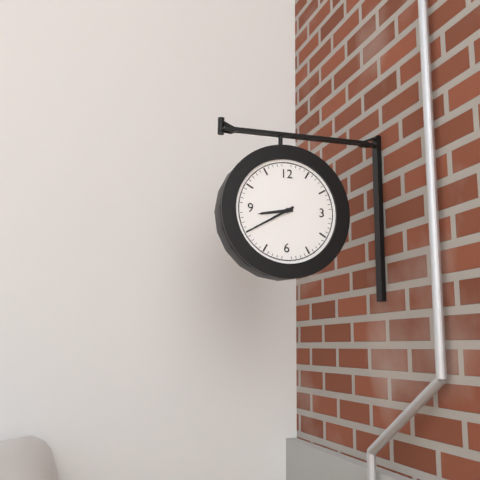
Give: 8:40
